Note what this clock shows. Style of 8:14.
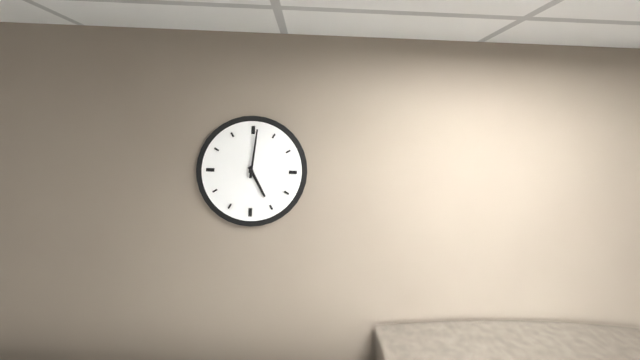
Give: 5:01
